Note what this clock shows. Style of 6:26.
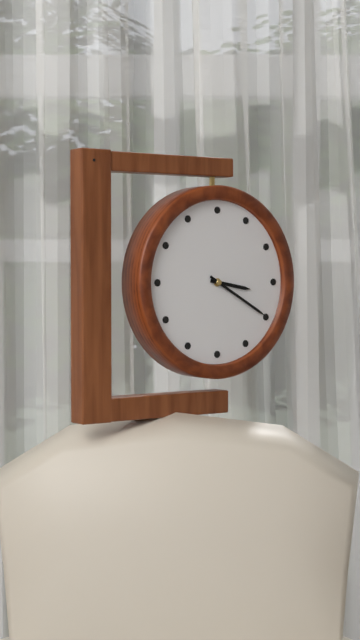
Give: 3:20
